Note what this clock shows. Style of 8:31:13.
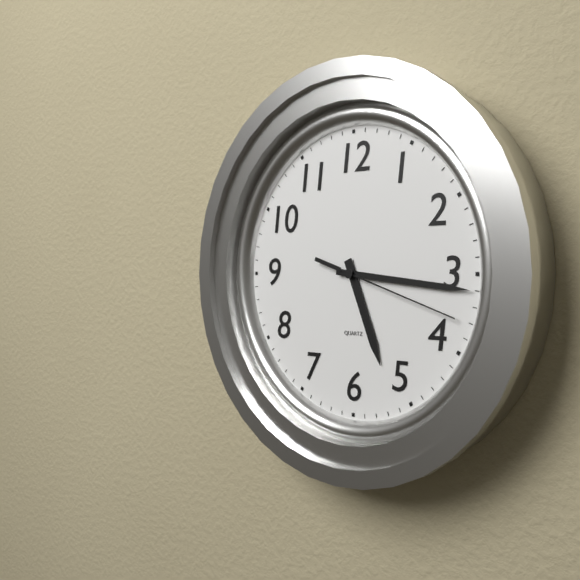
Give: 5:16:18
